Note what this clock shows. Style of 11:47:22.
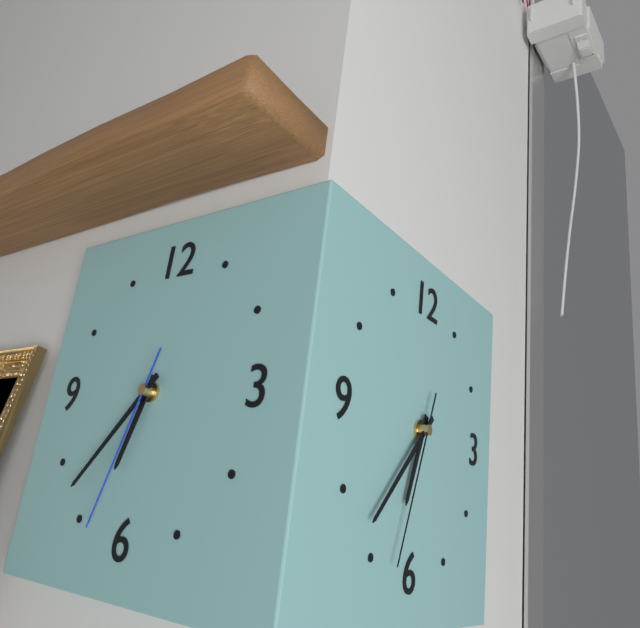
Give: 6:37:33
